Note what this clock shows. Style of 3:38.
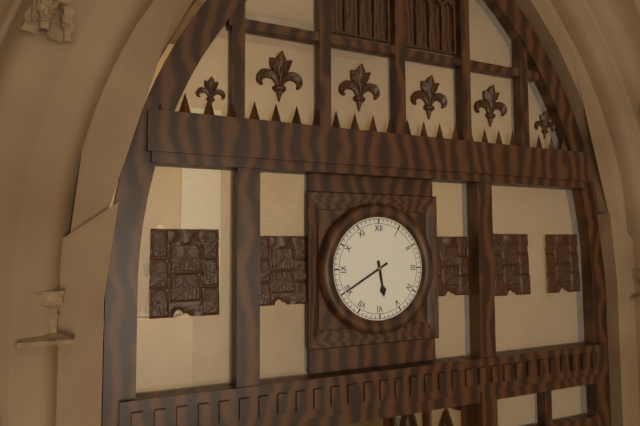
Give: 5:40
